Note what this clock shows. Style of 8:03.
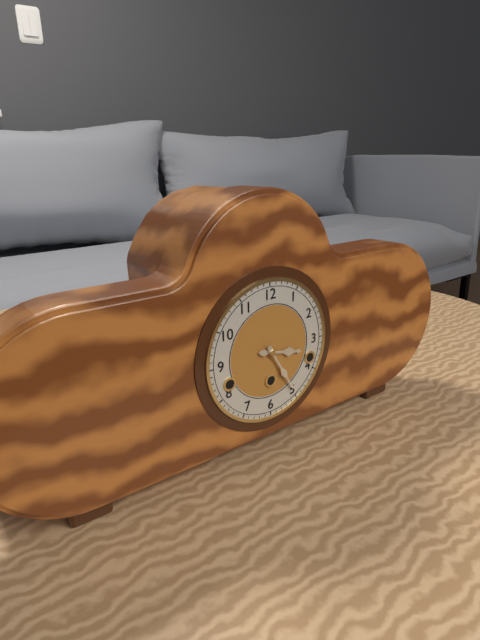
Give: 3:25
